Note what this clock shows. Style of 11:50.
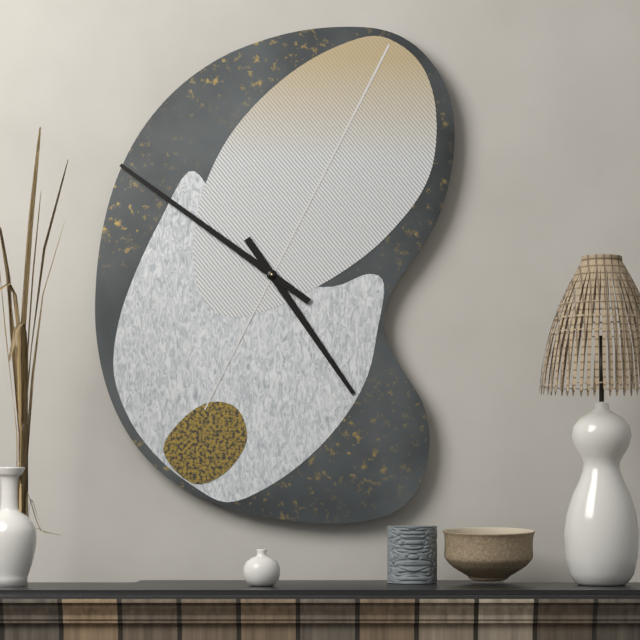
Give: 4:51
